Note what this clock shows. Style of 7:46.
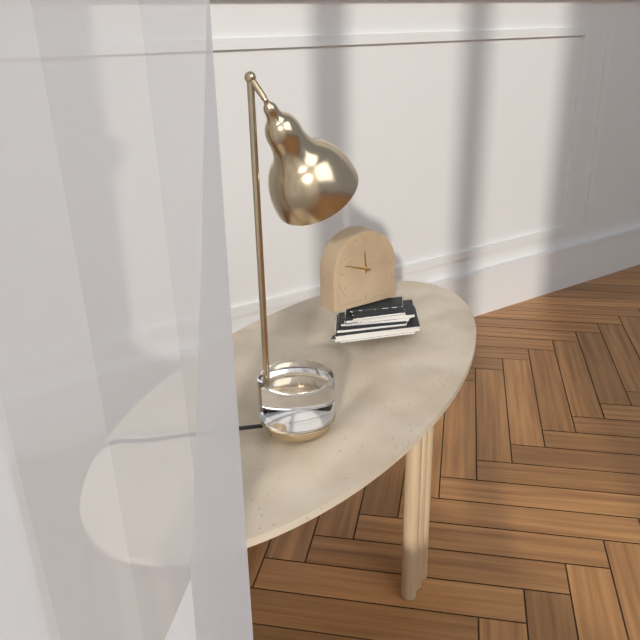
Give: 11:48
